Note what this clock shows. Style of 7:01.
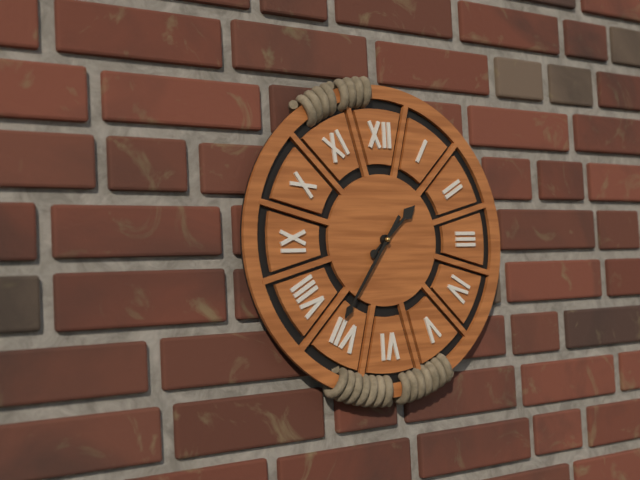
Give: 1:36
